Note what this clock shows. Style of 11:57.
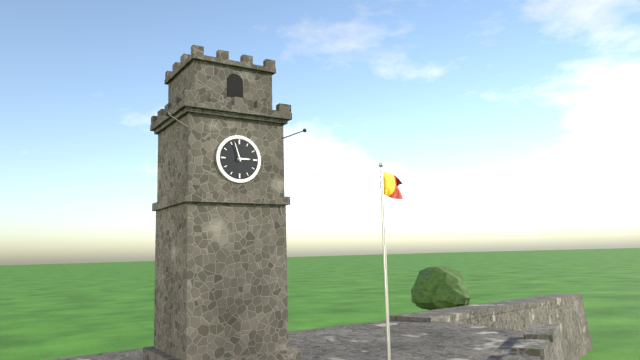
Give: 2:57
